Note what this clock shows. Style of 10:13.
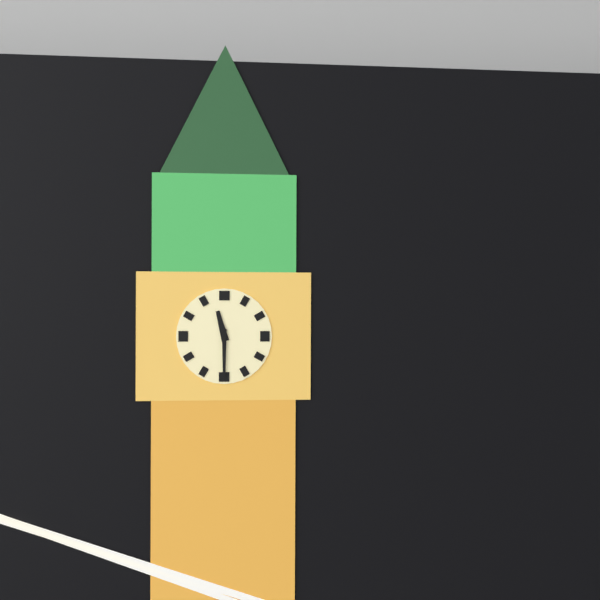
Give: 11:30
